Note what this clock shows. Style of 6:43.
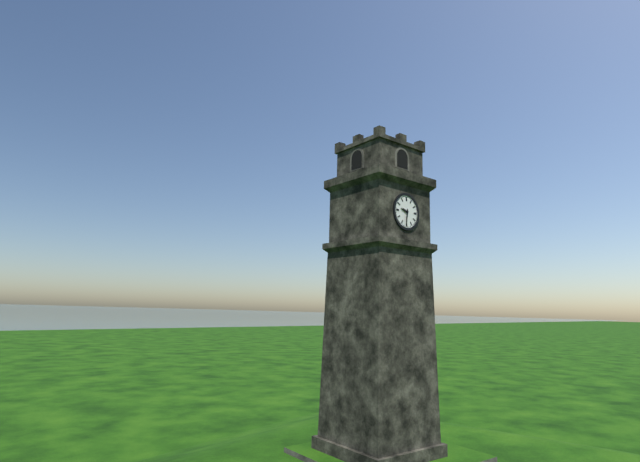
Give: 9:31
